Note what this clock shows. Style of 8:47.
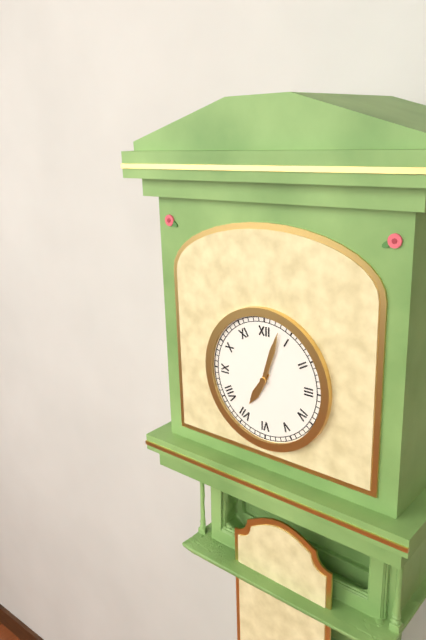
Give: 7:03
